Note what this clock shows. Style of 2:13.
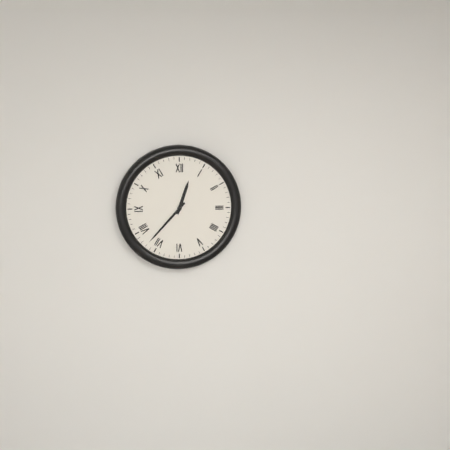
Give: 12:37
